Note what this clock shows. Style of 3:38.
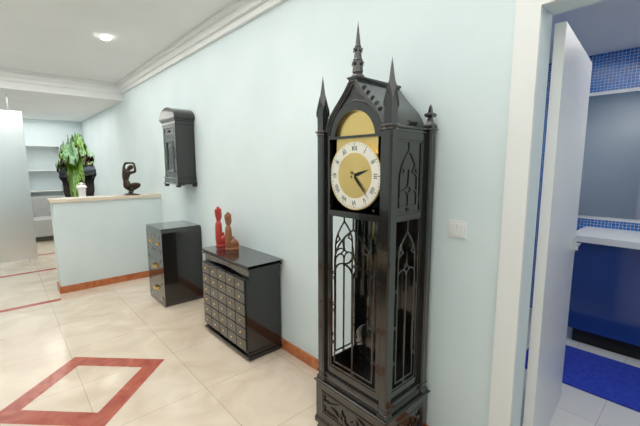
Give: 2:23
